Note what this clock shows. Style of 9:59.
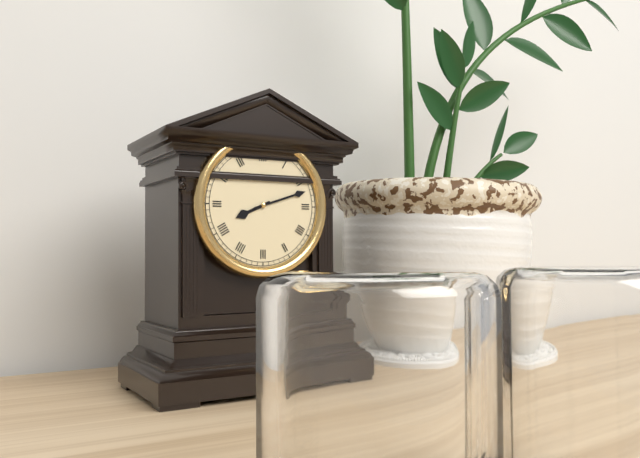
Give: 8:12
